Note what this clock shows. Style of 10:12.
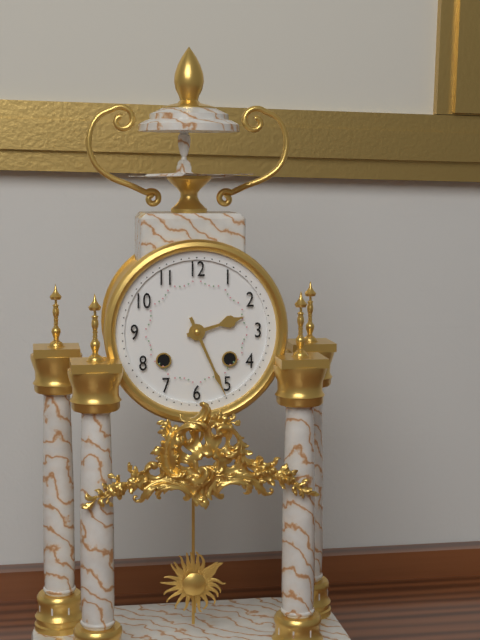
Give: 2:26
